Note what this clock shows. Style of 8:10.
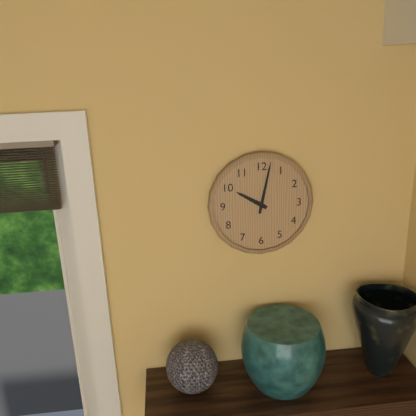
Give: 10:02
